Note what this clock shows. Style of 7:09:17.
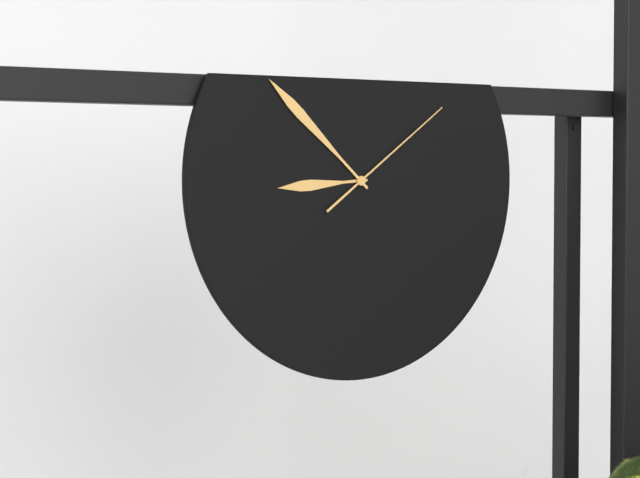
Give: 8:52:09
